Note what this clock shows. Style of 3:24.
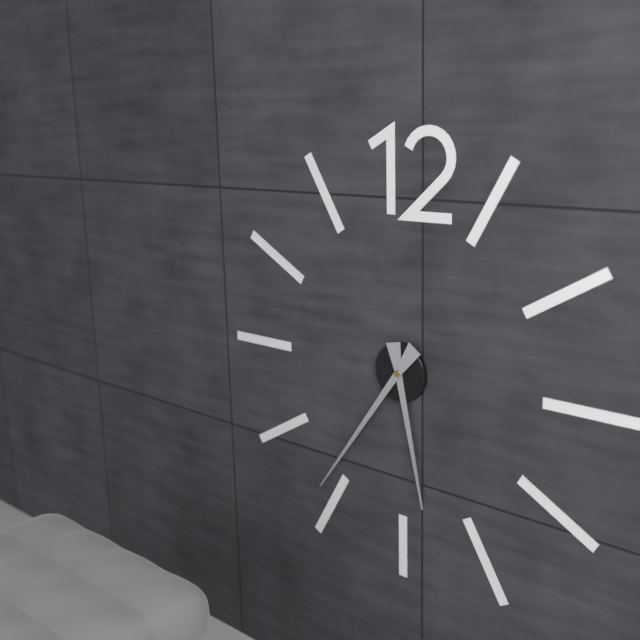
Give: 5:36
